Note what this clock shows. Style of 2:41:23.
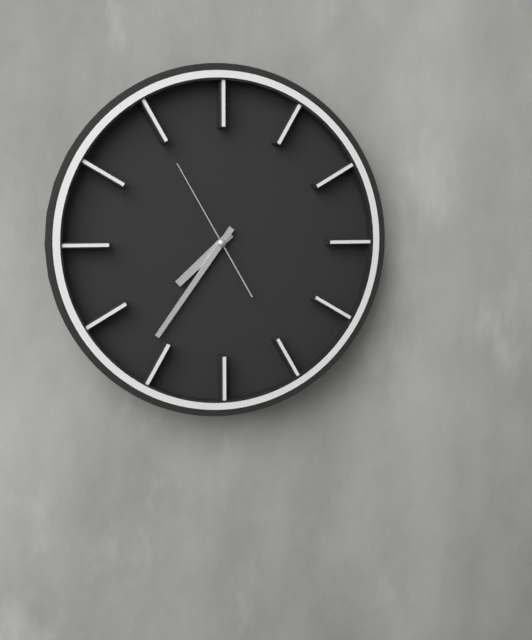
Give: 7:36:55
